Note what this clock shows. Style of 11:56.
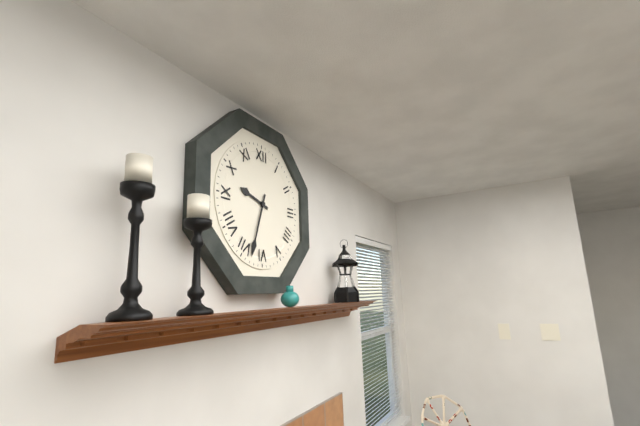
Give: 9:33
